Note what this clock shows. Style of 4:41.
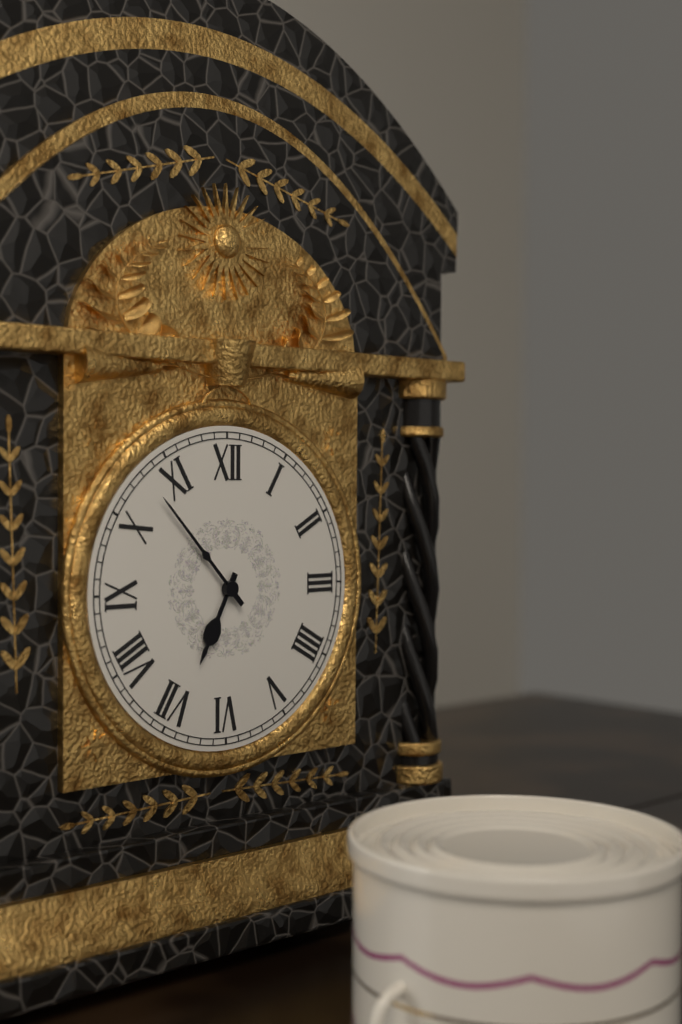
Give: 6:53
